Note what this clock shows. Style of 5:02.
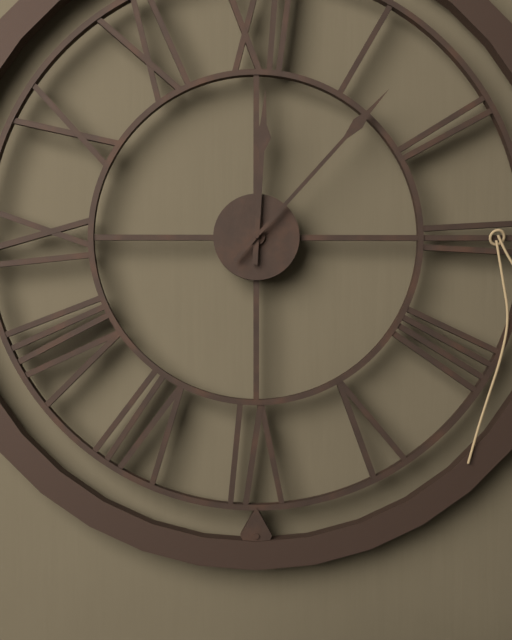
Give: 12:07
